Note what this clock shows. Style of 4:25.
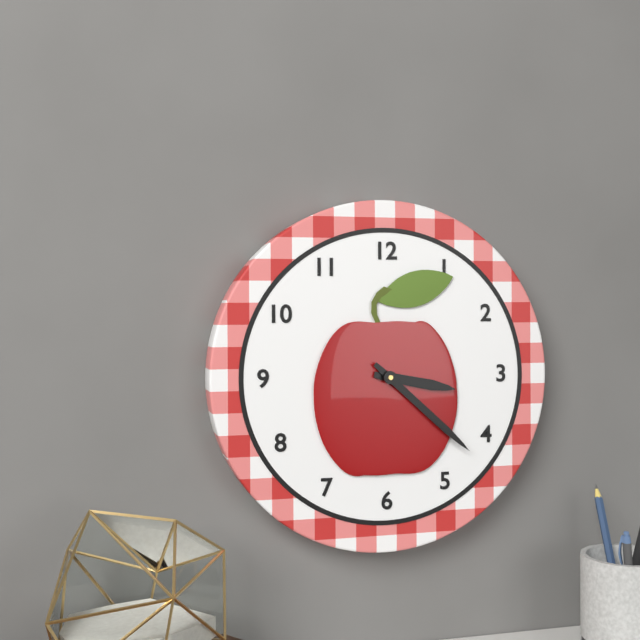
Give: 3:22
